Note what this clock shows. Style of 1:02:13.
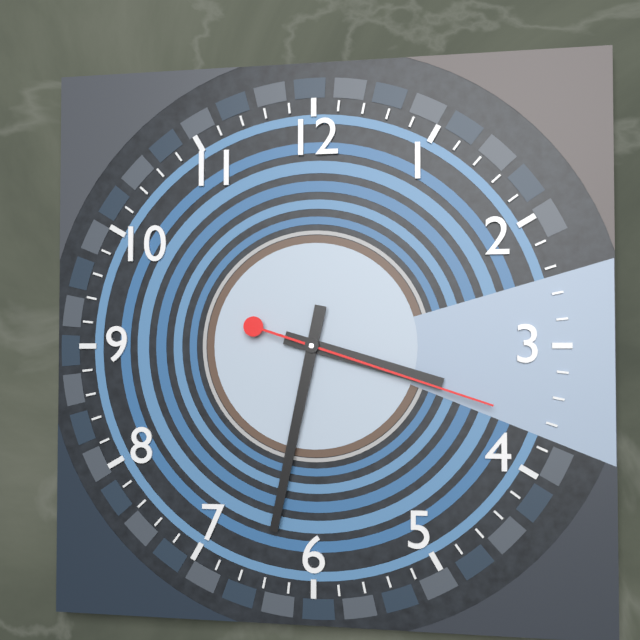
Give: 3:32:18
